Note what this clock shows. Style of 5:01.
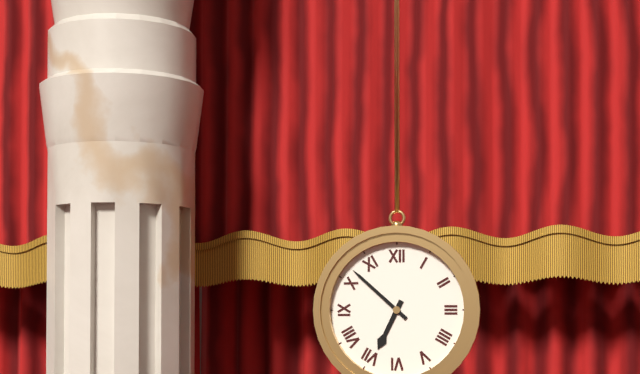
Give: 6:52
